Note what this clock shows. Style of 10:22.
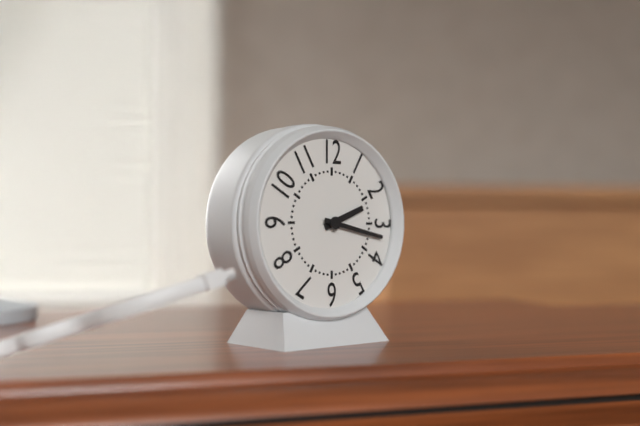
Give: 2:17
